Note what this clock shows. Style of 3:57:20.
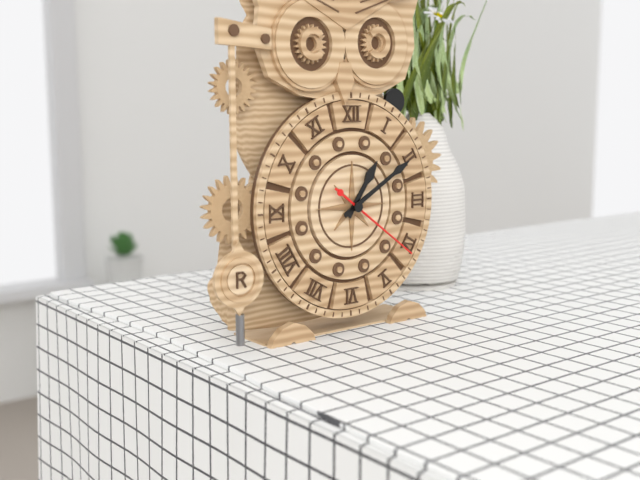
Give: 1:10:21
